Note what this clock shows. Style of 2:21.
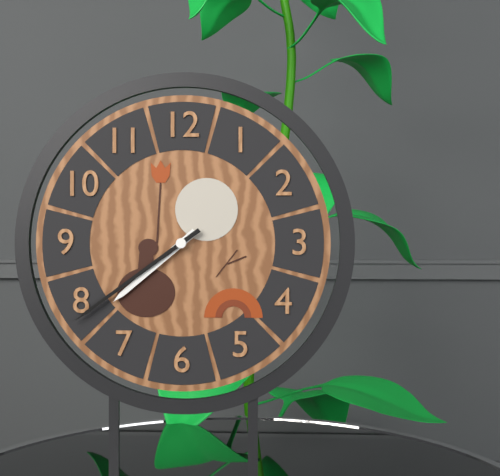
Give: 7:39
